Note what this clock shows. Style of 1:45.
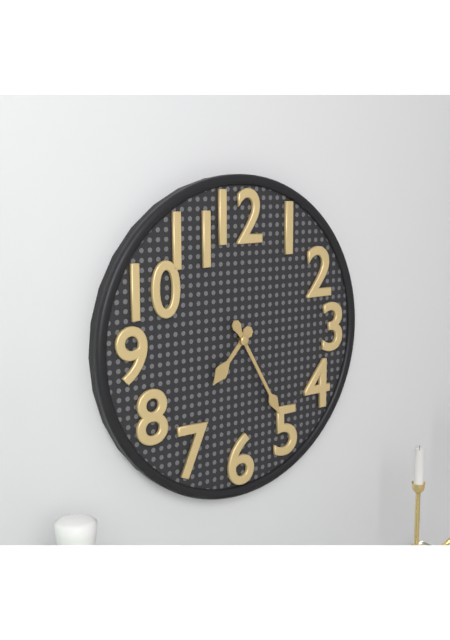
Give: 7:25
